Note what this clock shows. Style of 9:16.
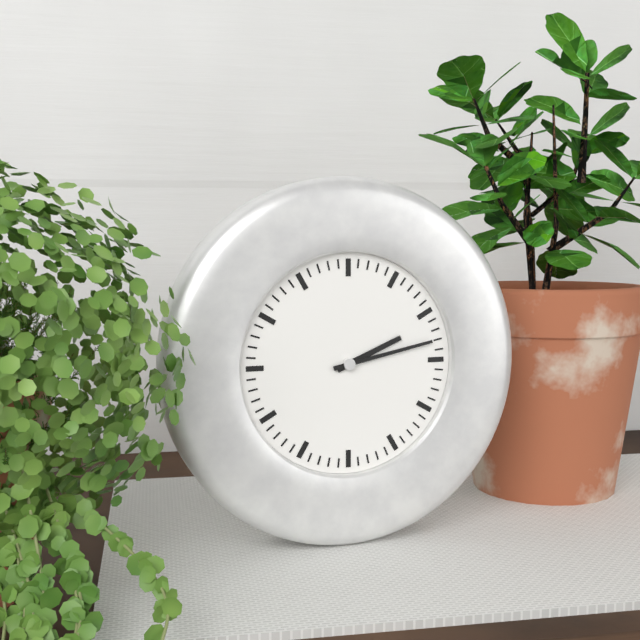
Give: 2:13
